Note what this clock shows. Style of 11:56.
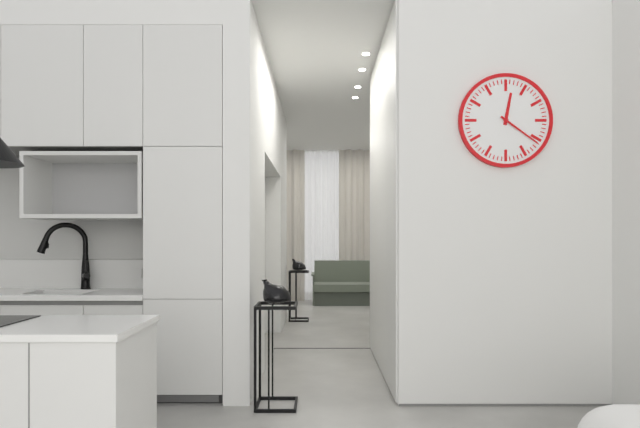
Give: 12:21
